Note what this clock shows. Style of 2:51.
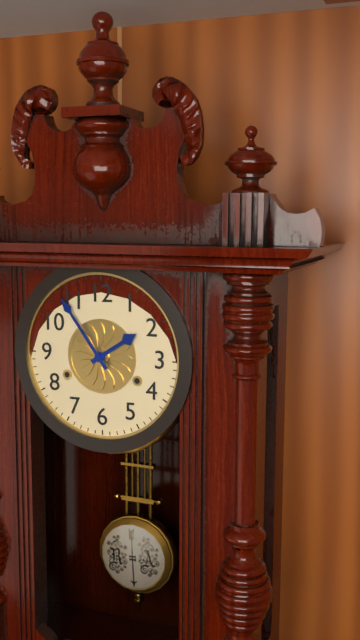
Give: 1:54
